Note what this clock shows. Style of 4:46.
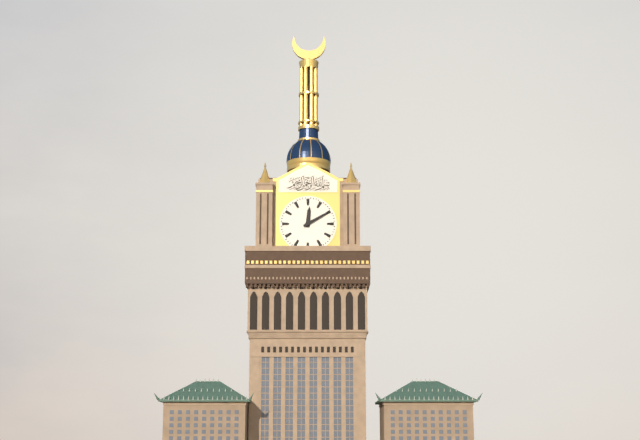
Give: 12:10
